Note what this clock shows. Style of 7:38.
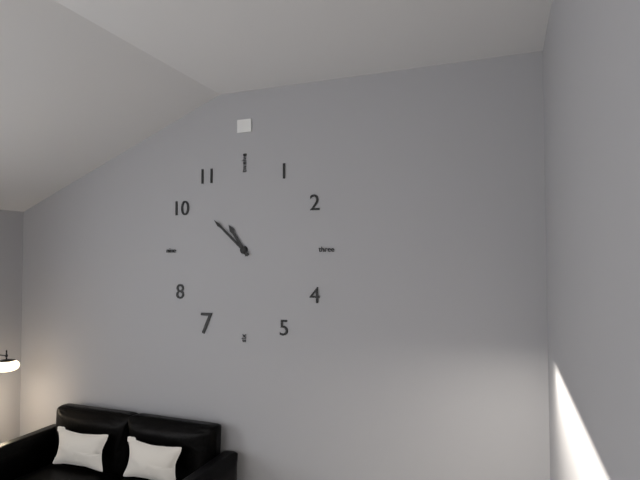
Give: 10:52
